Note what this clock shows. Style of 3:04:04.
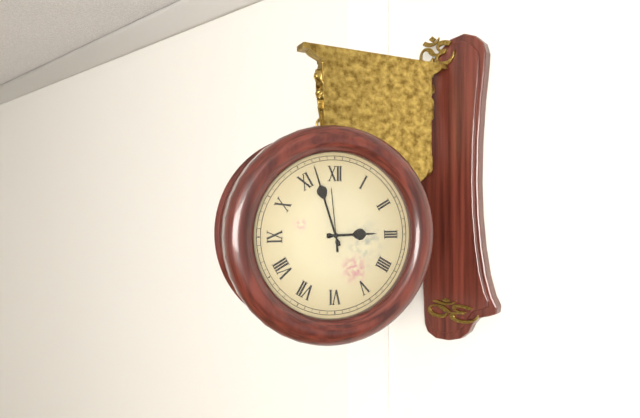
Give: 2:57:59
